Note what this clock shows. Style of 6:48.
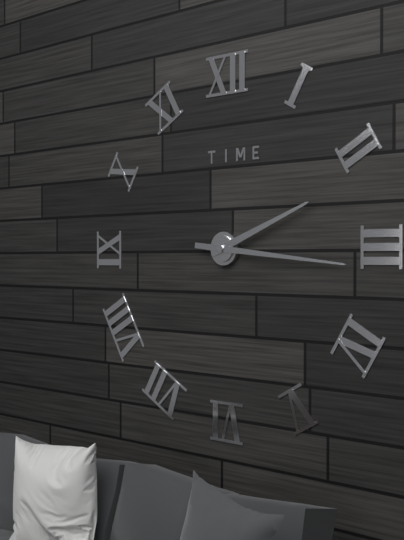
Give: 2:16
